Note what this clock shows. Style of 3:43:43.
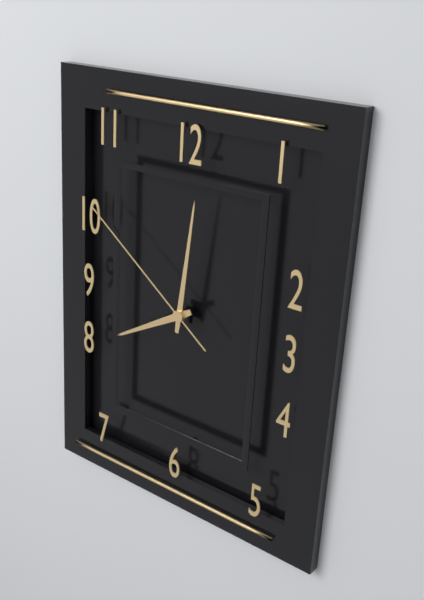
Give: 8:01:51
